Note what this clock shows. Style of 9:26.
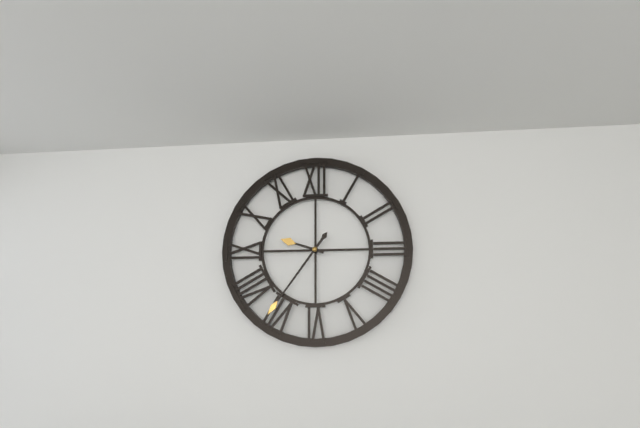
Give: 9:36
